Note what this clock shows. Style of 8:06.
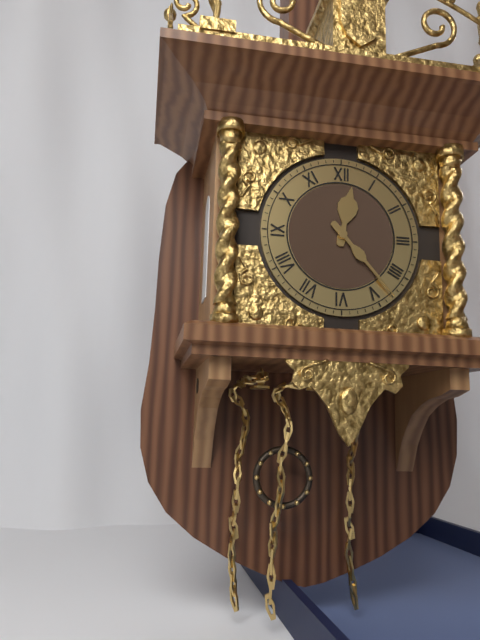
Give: 12:23
